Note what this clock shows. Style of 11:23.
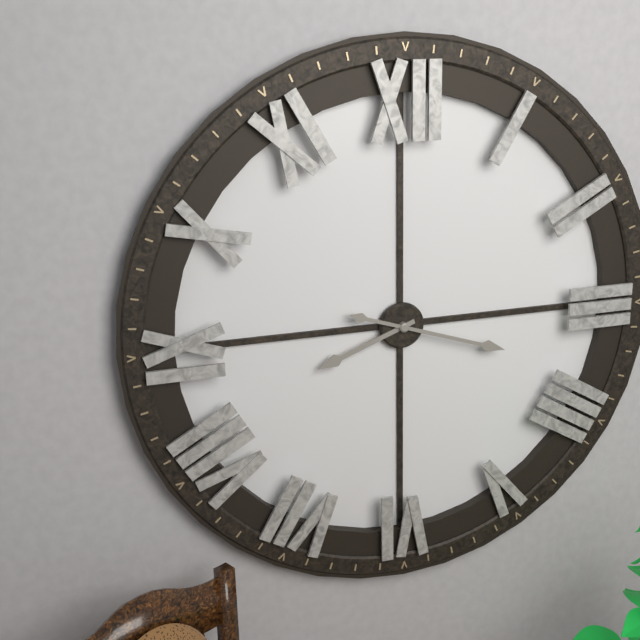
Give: 8:18
